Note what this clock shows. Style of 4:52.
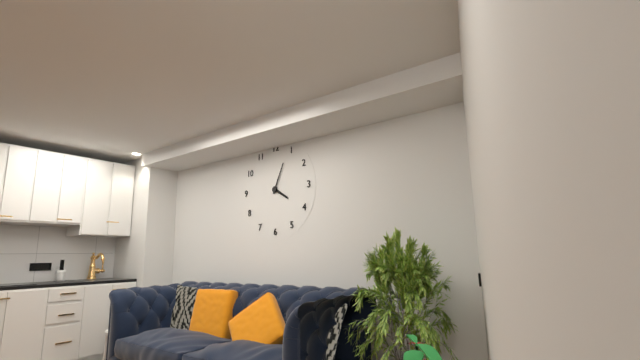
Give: 4:04
